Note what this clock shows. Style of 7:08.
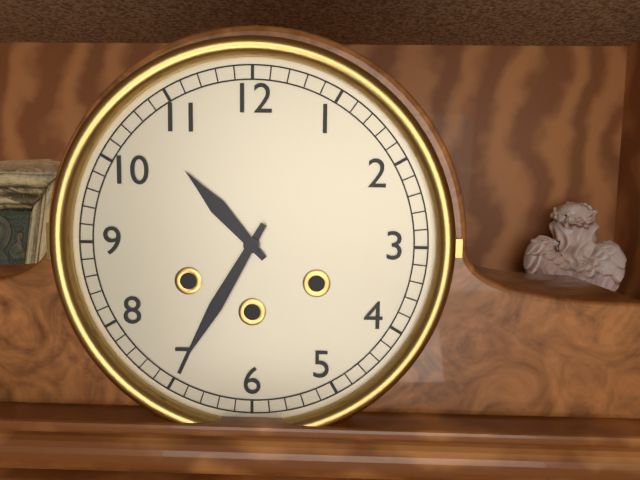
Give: 10:35
